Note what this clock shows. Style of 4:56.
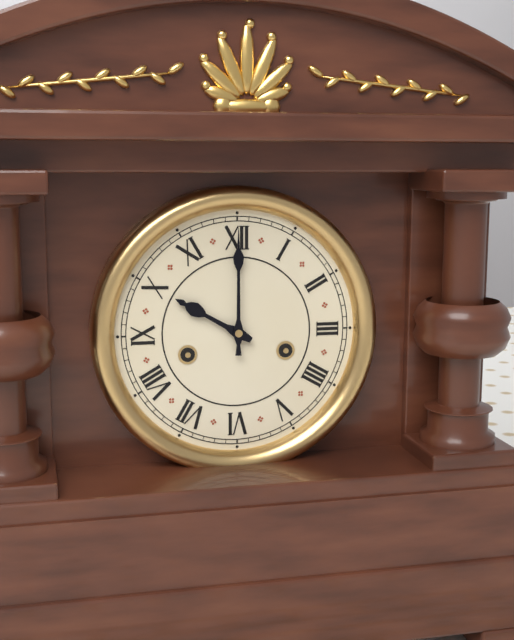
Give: 10:00
